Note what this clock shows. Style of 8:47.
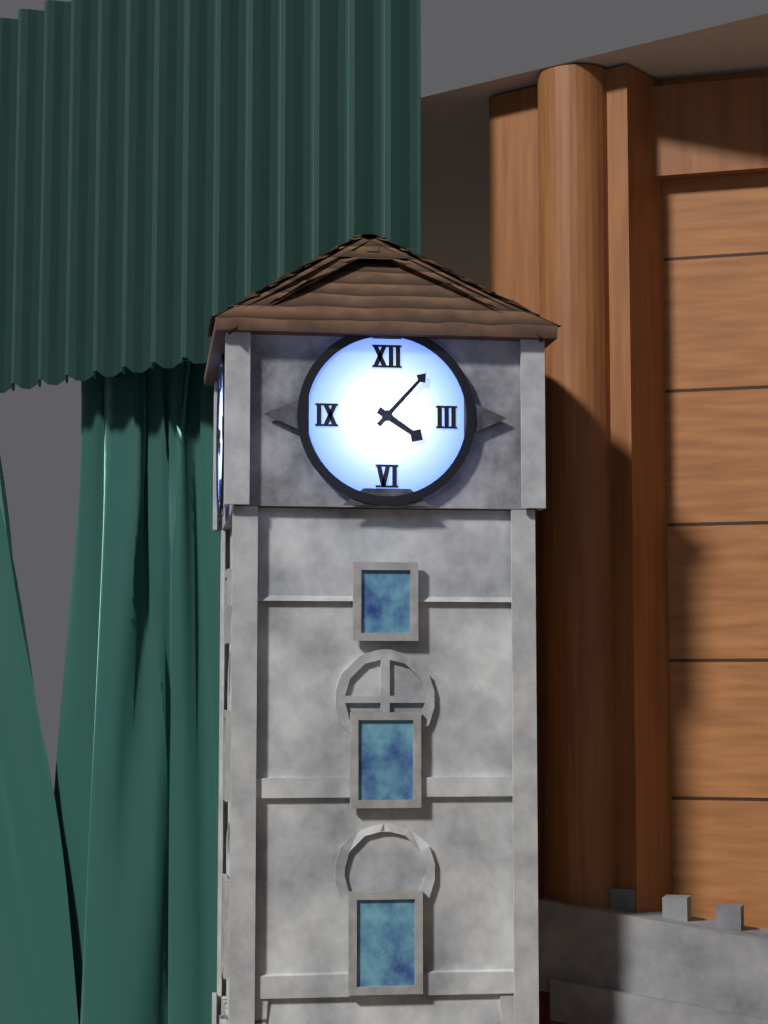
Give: 4:07
